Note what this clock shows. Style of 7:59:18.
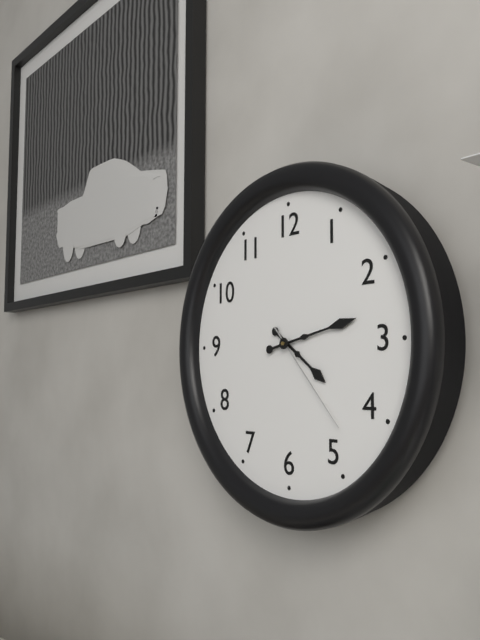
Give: 4:13:23
